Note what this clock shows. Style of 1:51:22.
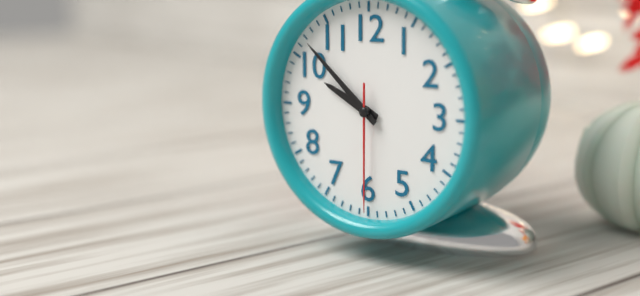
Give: 9:52:30
